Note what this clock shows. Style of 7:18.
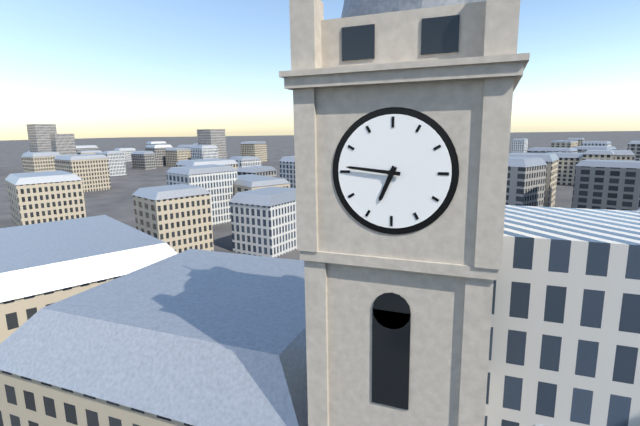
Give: 6:46
